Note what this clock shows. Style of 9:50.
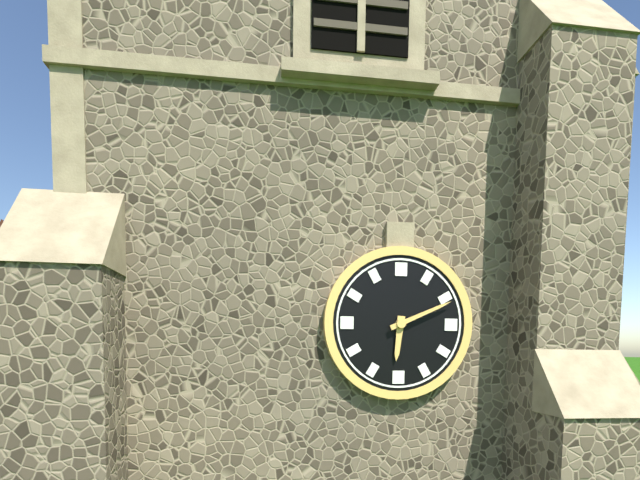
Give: 6:11
